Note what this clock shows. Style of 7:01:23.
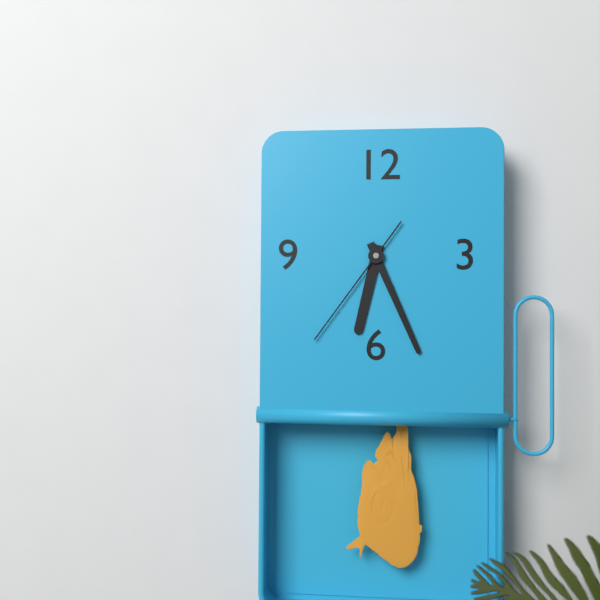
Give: 6:26:36
